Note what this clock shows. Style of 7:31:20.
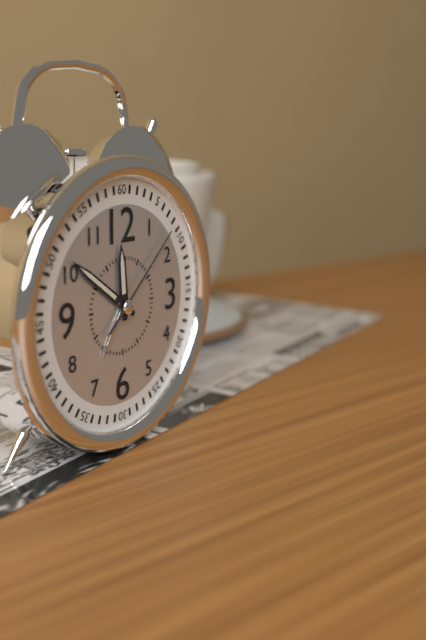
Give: 11:51:08
